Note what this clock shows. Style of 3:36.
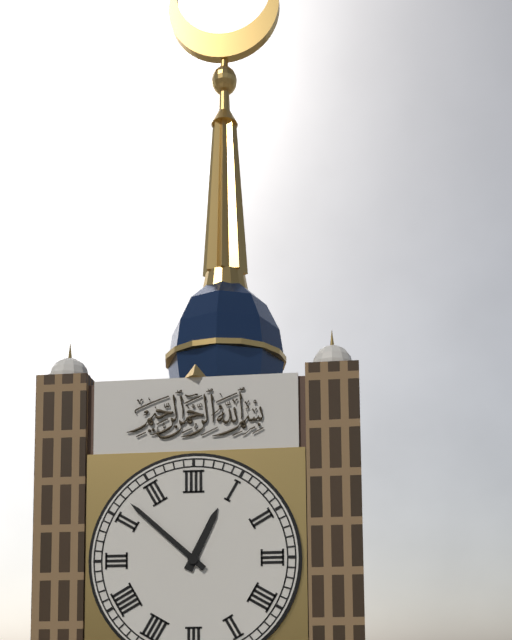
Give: 12:52
